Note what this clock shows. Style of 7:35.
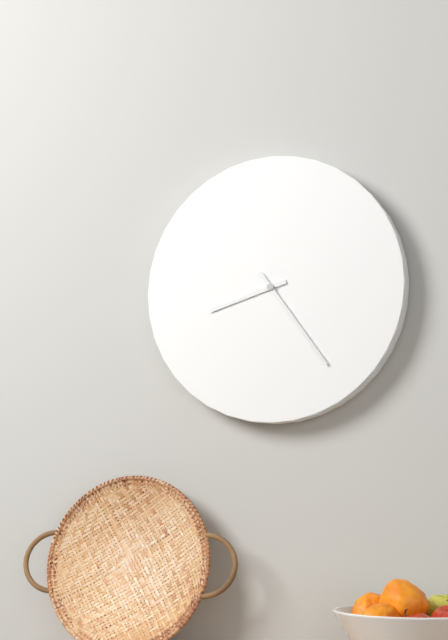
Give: 8:24
